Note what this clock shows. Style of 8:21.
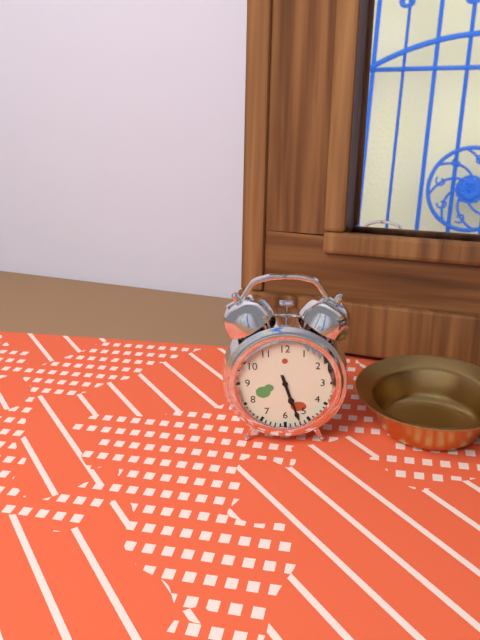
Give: 5:27
